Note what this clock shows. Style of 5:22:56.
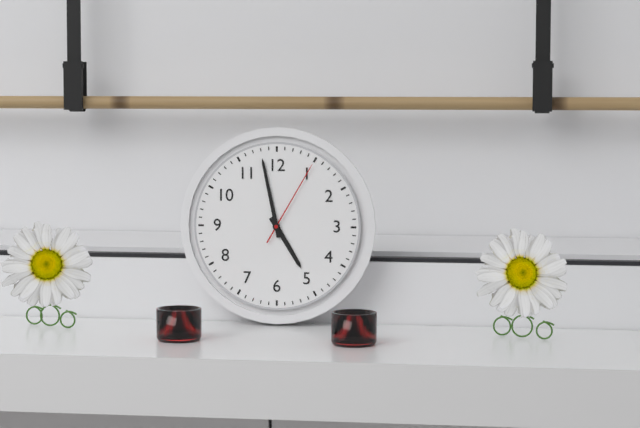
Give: 4:58:05
